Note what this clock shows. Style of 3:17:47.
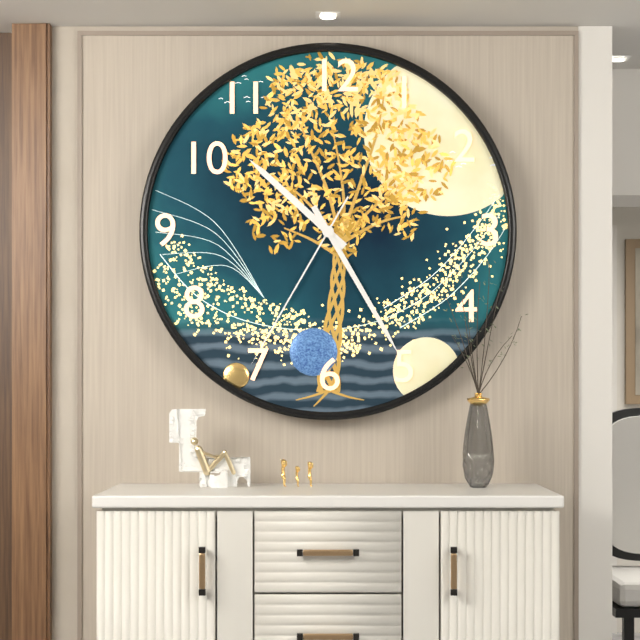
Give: 10:25:35
